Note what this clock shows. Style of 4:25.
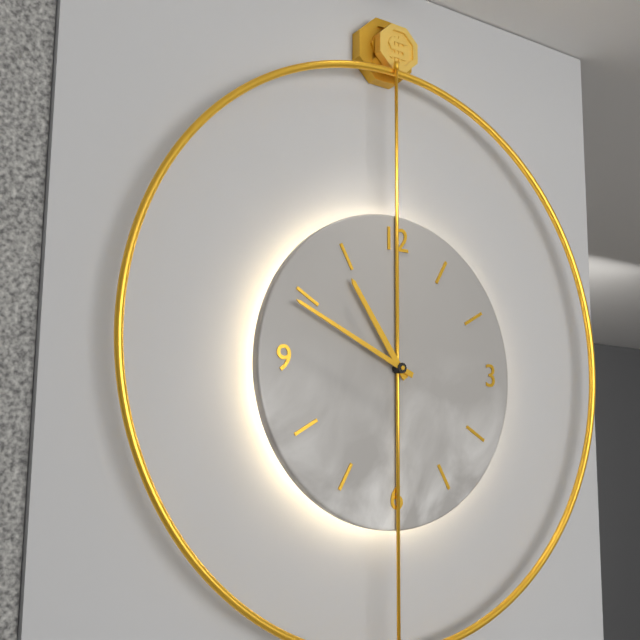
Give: 10:49
